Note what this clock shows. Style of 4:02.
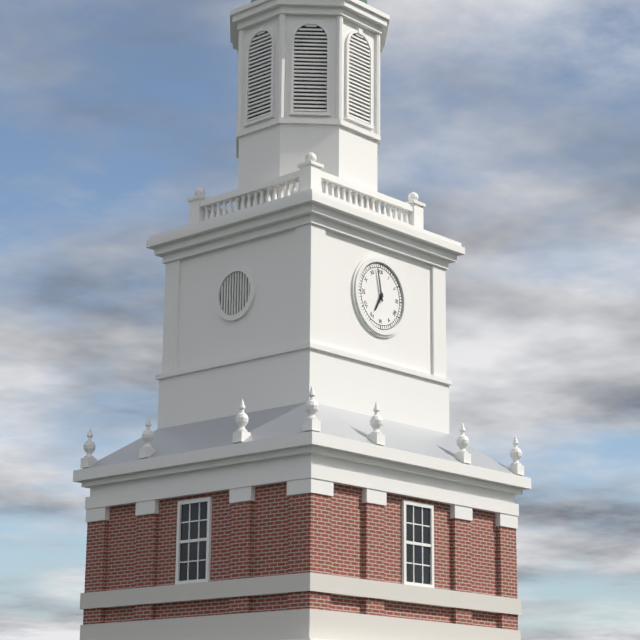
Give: 6:58
